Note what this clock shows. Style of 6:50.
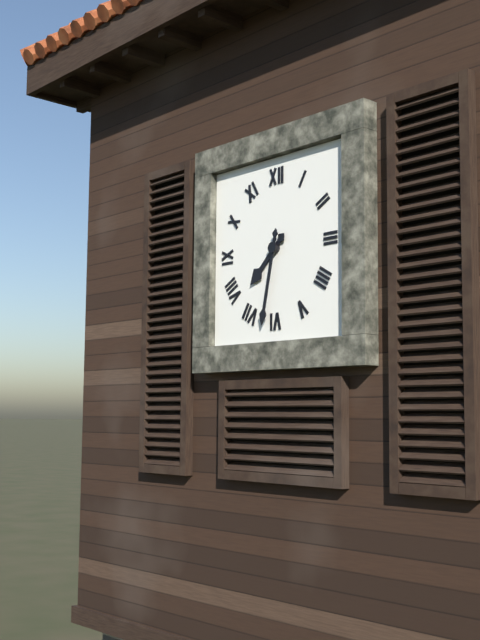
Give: 7:32
